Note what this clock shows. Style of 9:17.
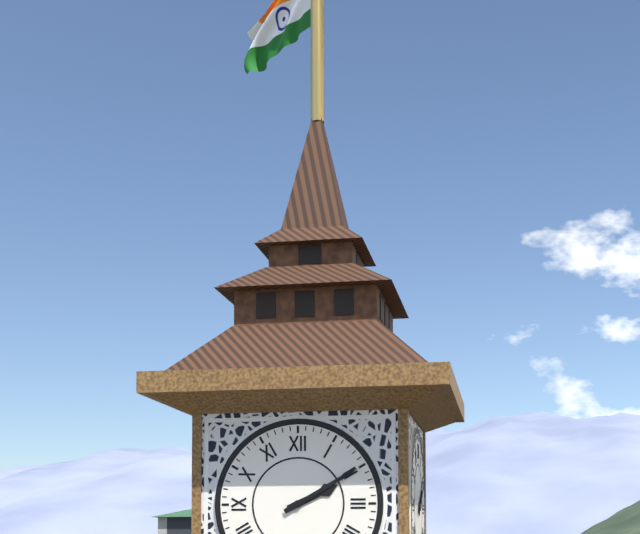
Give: 2:10
